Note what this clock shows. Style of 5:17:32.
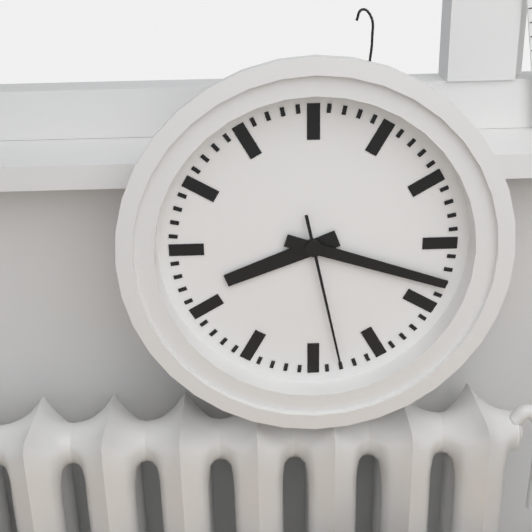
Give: 8:18:28
